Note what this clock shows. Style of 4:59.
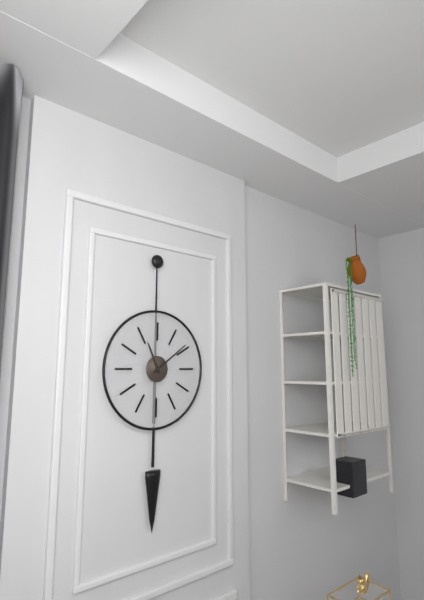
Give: 11:09
